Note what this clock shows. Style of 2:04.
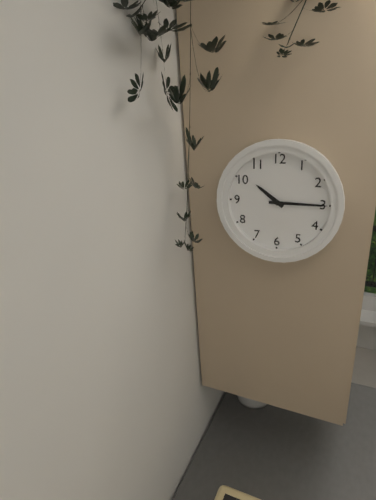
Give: 10:15
